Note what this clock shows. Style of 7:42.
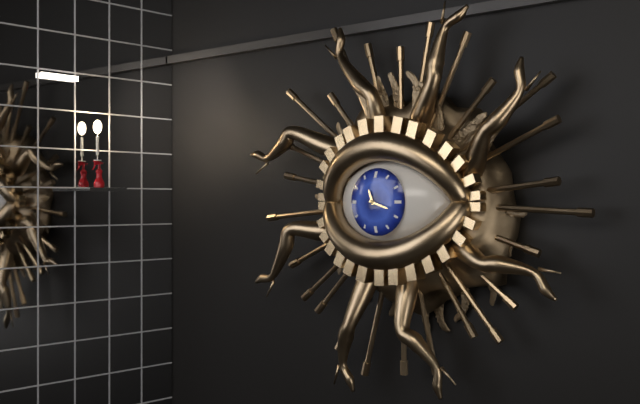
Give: 11:18
